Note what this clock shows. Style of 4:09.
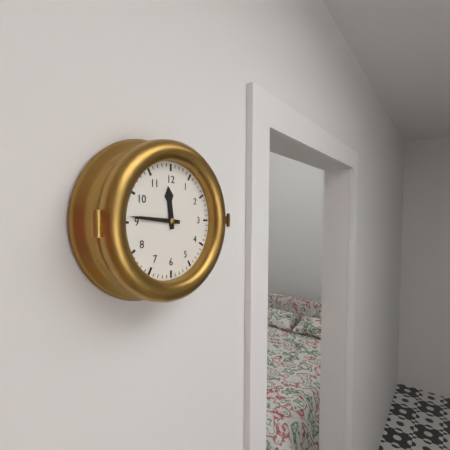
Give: 11:46
